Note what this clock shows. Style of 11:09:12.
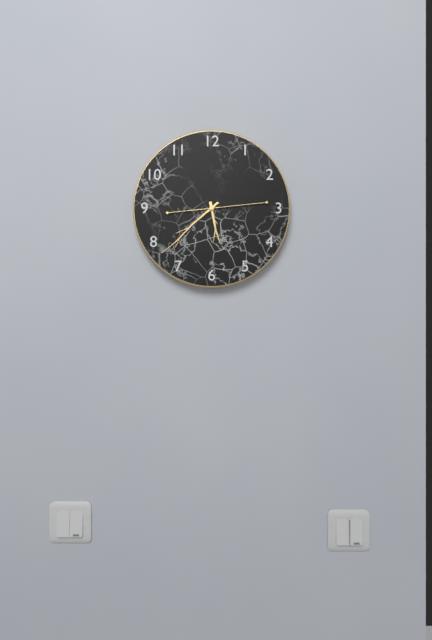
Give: 5:38:14
